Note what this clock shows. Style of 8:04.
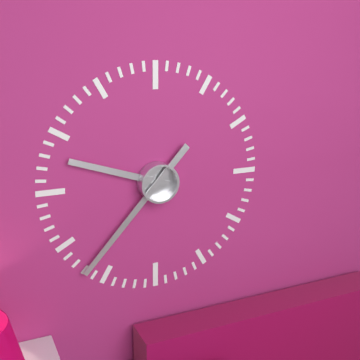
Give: 9:37
